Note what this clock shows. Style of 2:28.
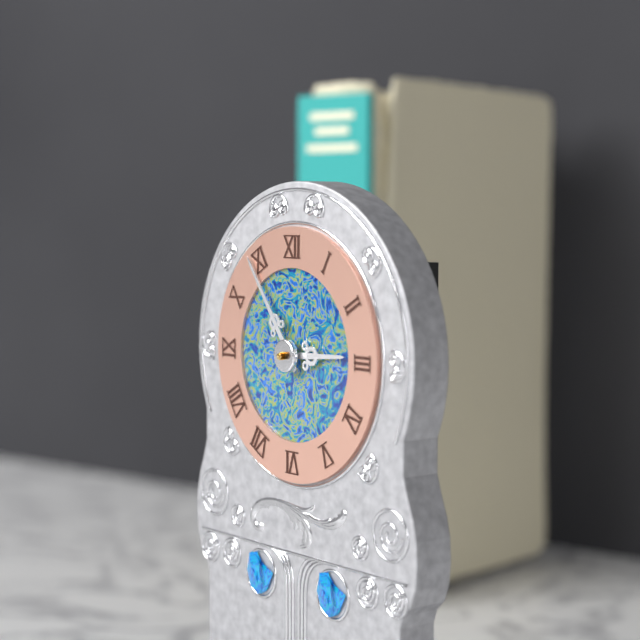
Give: 2:54
